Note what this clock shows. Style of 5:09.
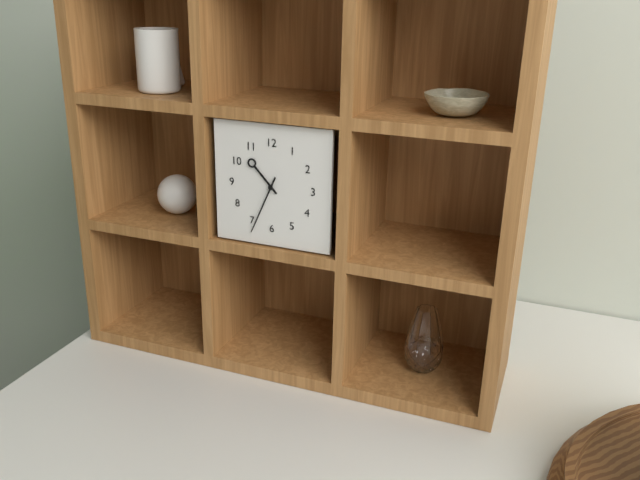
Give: 10:34
